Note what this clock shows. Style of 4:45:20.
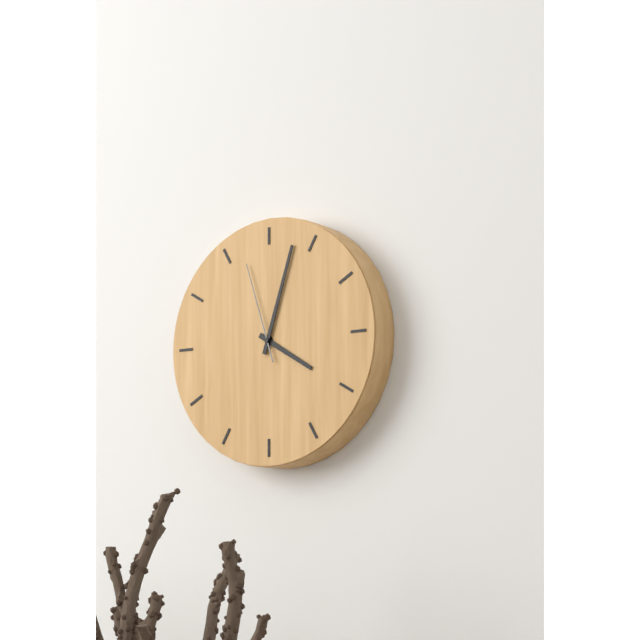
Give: 4:03:57
